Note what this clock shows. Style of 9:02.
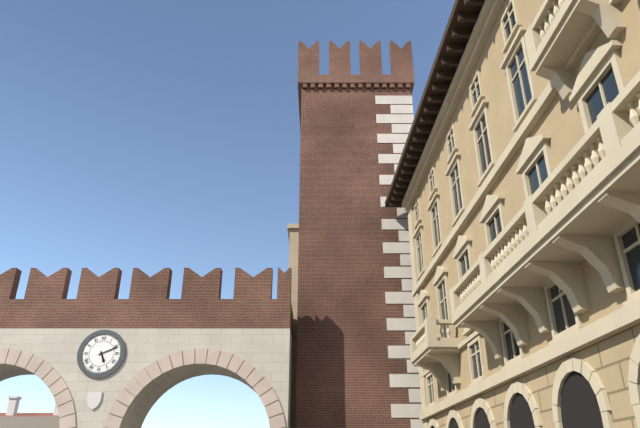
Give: 5:11
